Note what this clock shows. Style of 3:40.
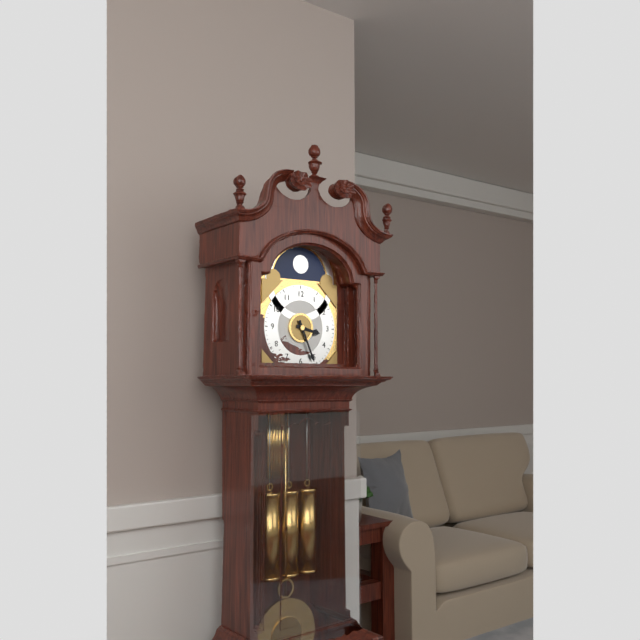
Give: 3:26
